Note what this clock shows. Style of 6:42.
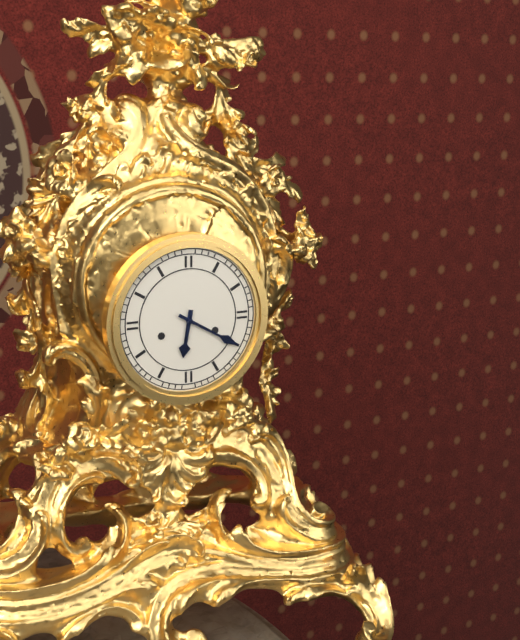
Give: 6:20
